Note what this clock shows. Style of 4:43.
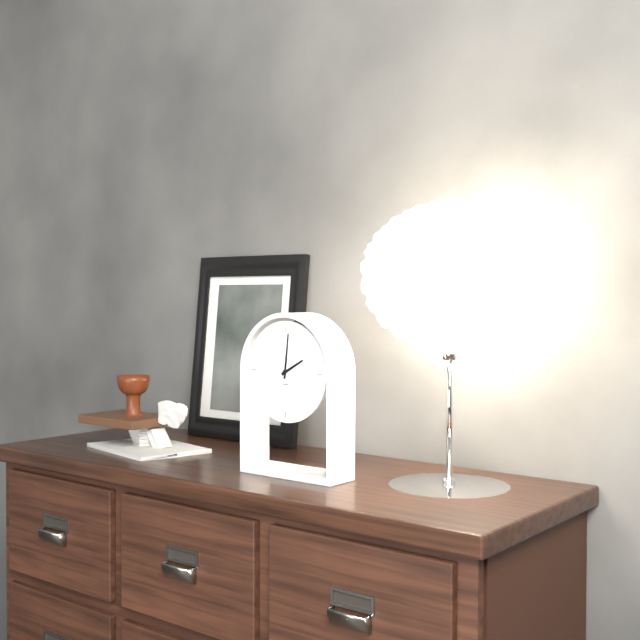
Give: 2:01
